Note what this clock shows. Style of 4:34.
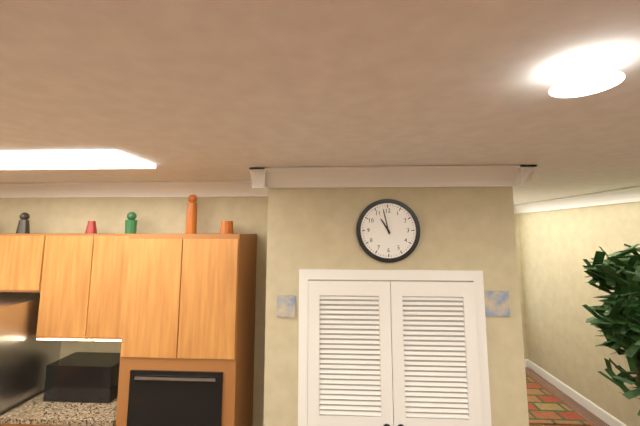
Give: 10:58
